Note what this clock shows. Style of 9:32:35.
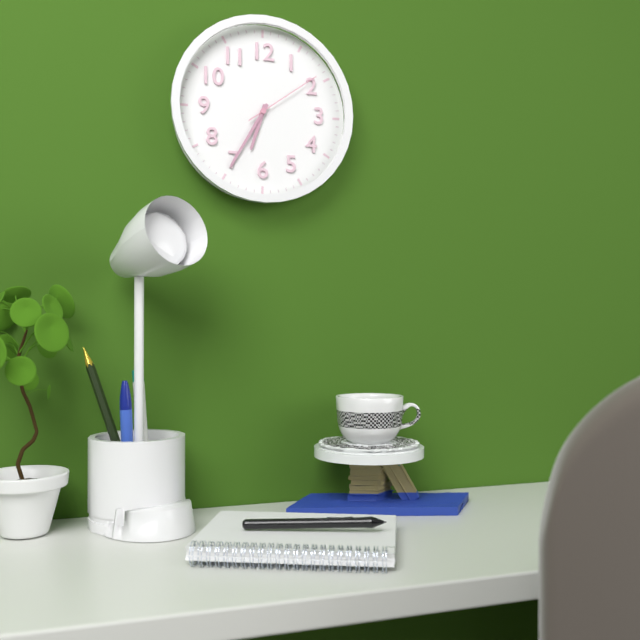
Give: 6:35:09
